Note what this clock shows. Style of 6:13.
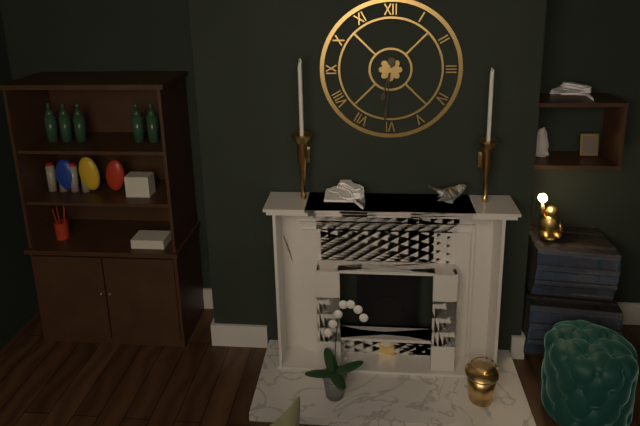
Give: 6:31
